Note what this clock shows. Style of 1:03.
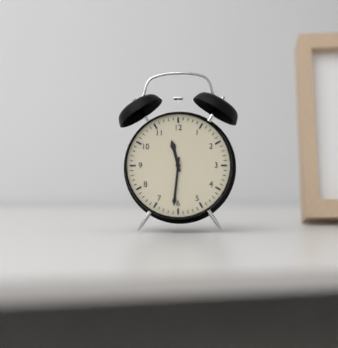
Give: 11:31
